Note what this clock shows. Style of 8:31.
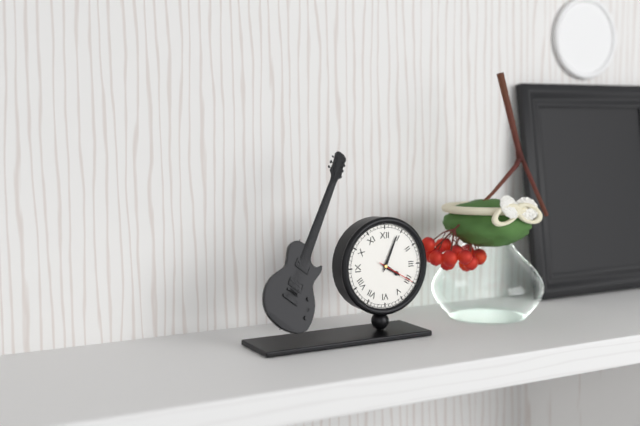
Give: 4:04
